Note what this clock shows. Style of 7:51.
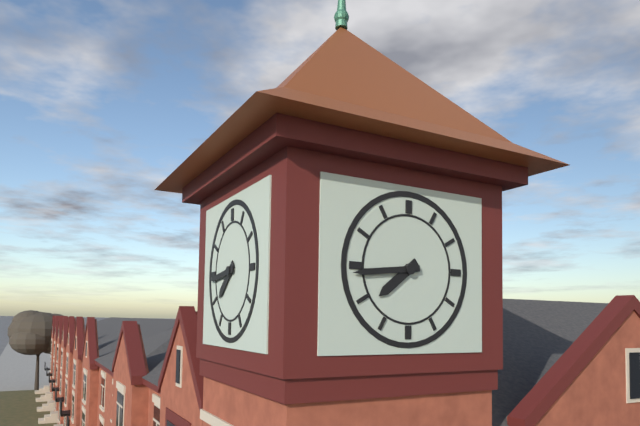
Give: 7:44
